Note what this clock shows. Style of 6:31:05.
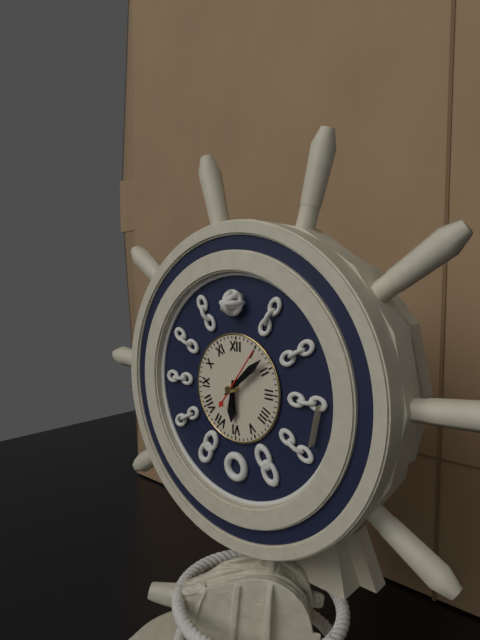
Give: 6:08:06
